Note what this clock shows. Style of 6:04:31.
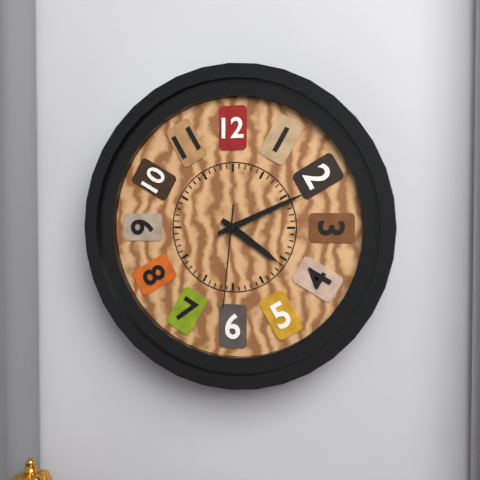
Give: 4:11:31
